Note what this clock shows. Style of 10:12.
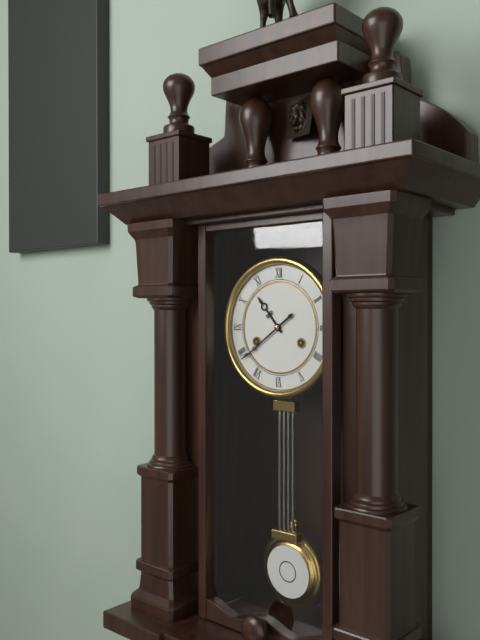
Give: 10:39
